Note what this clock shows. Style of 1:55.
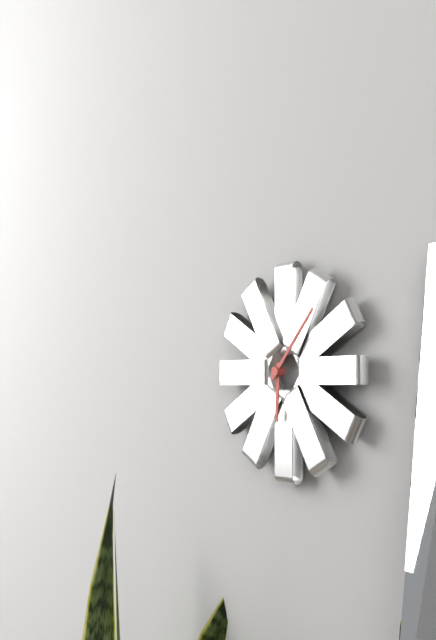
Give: 6:07
